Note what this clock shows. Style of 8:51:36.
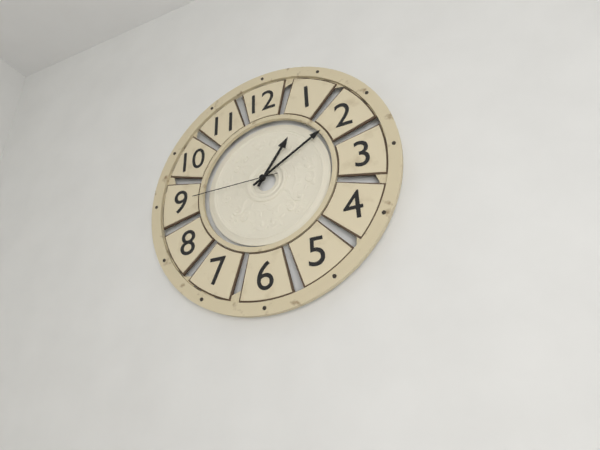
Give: 1:10:45
